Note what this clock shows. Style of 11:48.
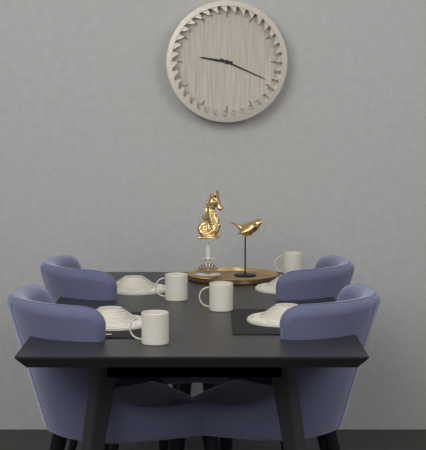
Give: 9:19
